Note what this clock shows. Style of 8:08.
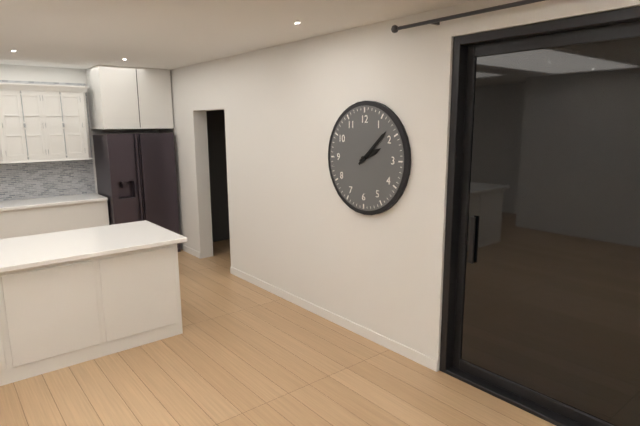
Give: 2:08
